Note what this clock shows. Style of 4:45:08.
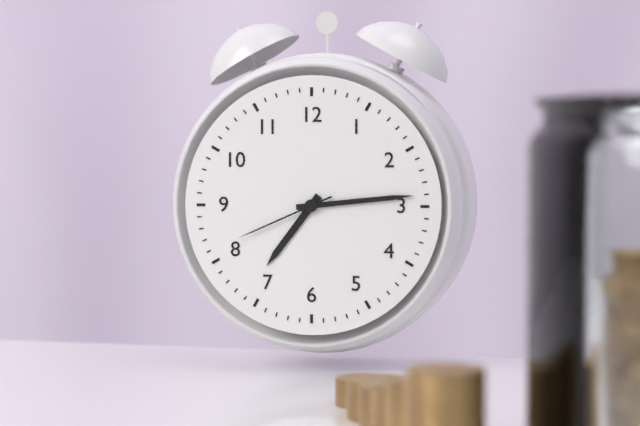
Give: 7:14:41
